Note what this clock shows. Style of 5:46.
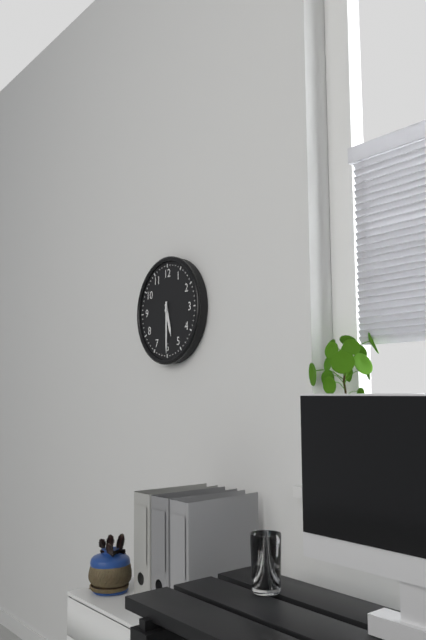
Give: 5:30
